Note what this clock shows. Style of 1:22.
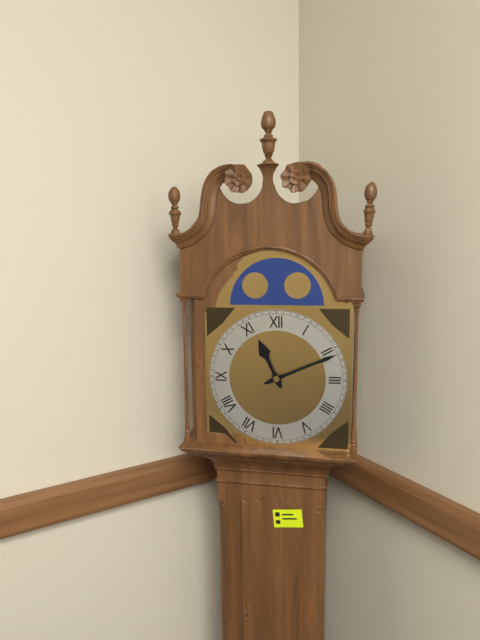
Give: 11:11
